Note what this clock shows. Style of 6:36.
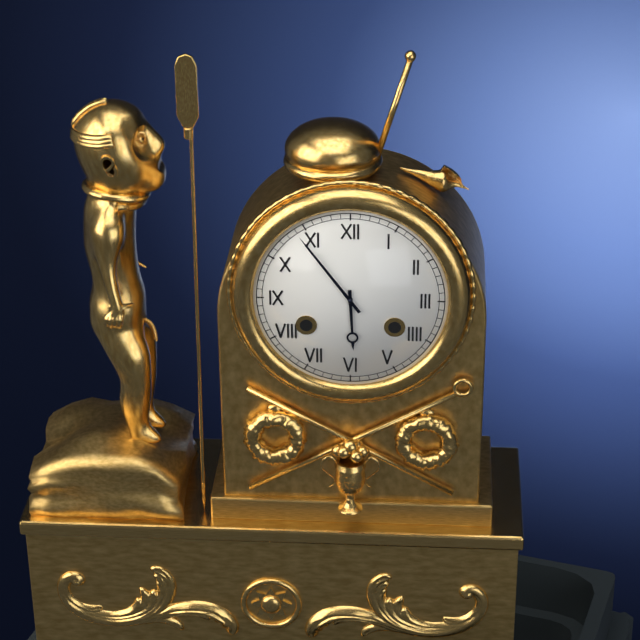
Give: 5:54
